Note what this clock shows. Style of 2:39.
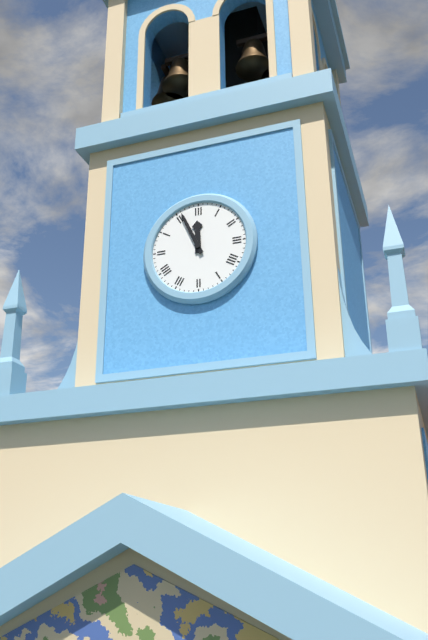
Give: 11:56
